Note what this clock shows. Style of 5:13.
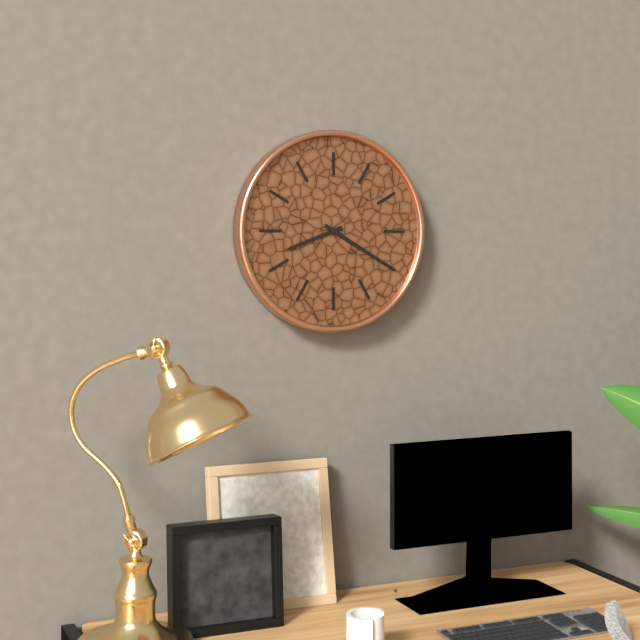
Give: 8:20
